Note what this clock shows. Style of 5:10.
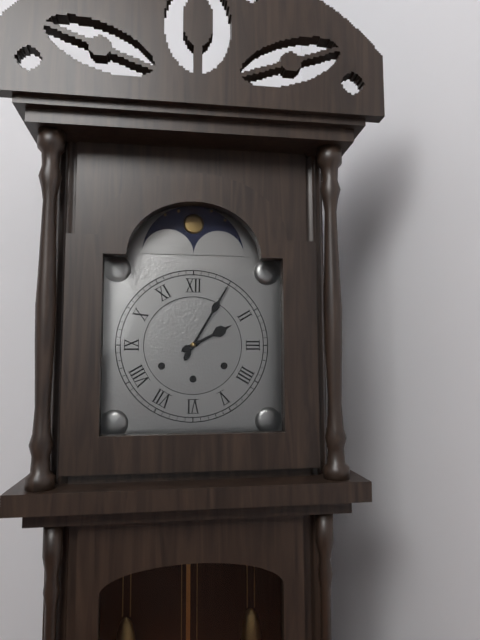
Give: 2:05
